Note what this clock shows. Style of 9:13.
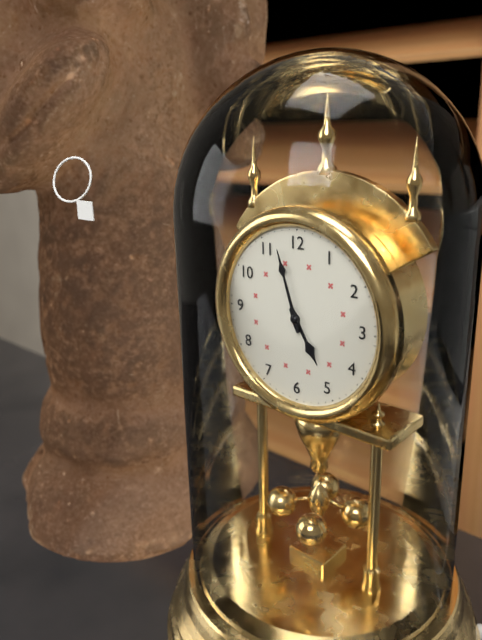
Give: 4:57
